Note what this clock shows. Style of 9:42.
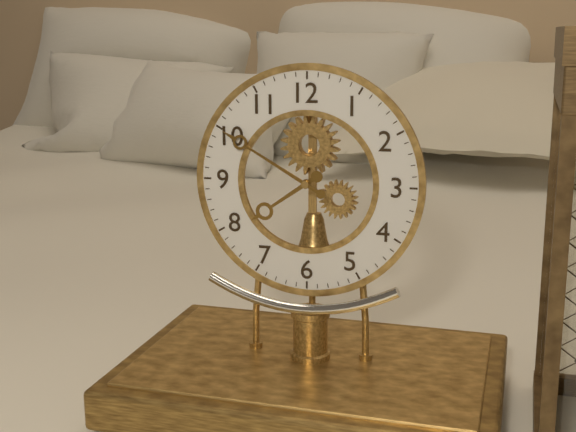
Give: 7:50
